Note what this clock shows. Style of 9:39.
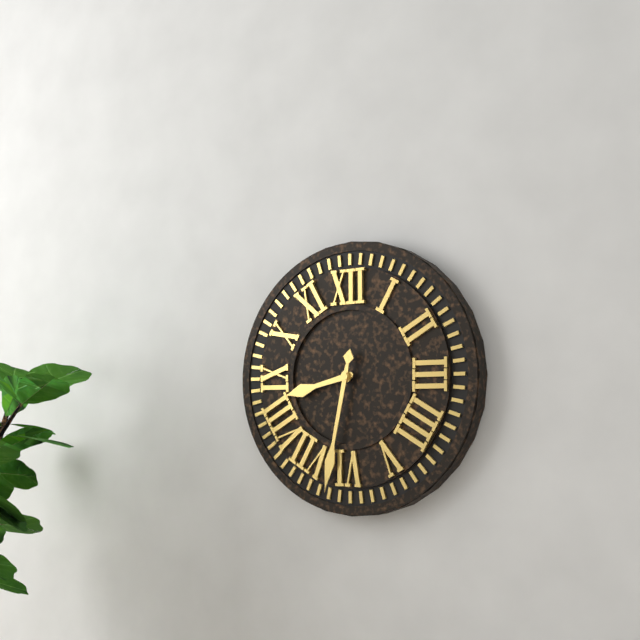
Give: 8:32
